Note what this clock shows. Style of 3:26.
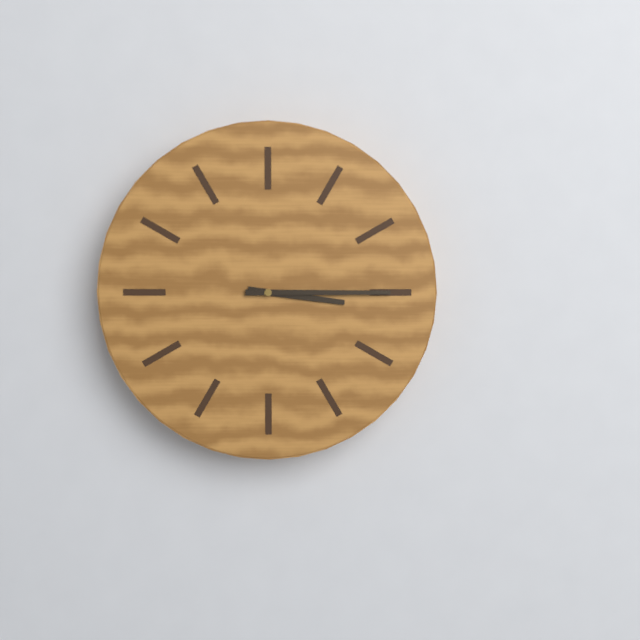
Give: 3:15
